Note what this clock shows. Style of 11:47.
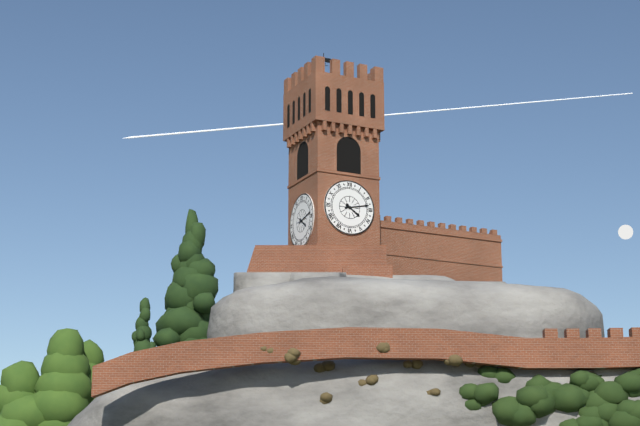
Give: 4:13
